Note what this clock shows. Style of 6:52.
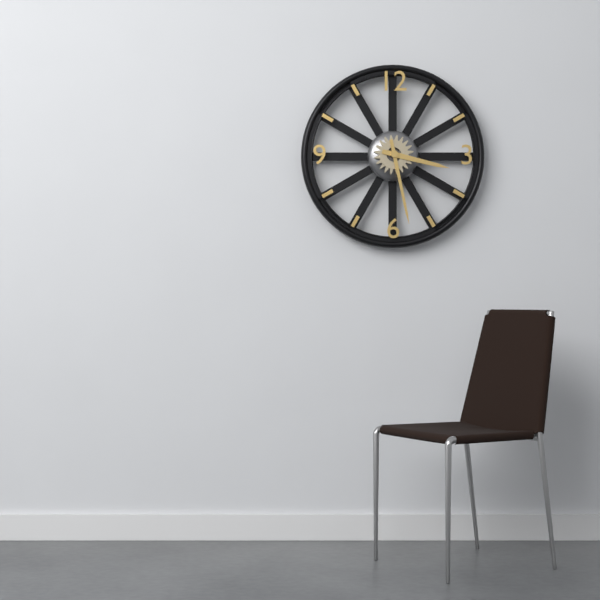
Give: 3:28
